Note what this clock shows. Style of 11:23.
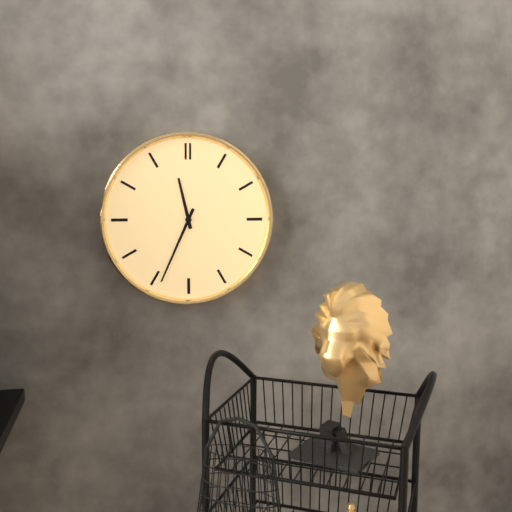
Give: 11:34
